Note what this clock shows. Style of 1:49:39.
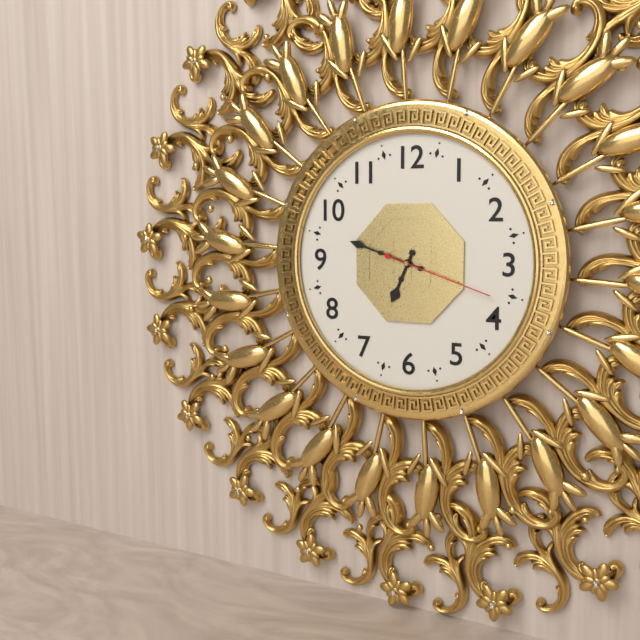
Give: 6:48:18
